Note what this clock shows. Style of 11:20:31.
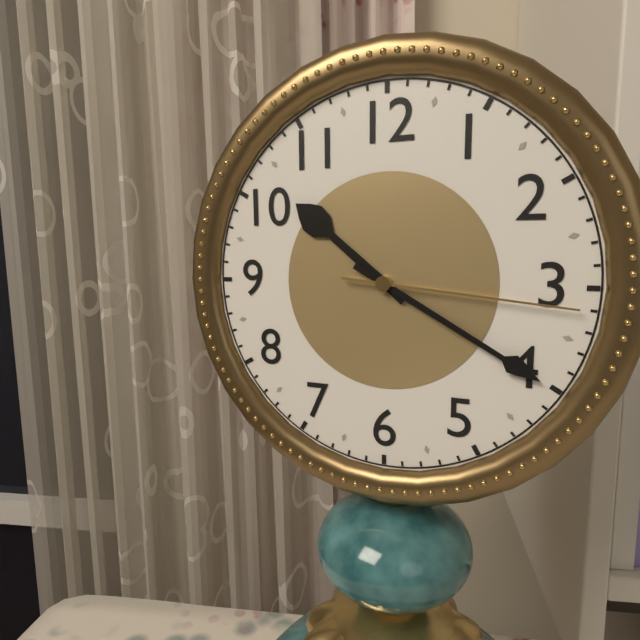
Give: 10:20:16
